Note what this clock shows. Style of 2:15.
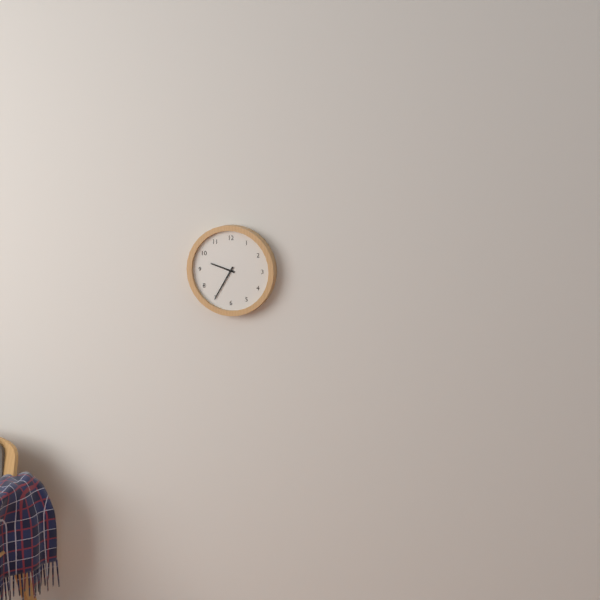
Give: 9:35
